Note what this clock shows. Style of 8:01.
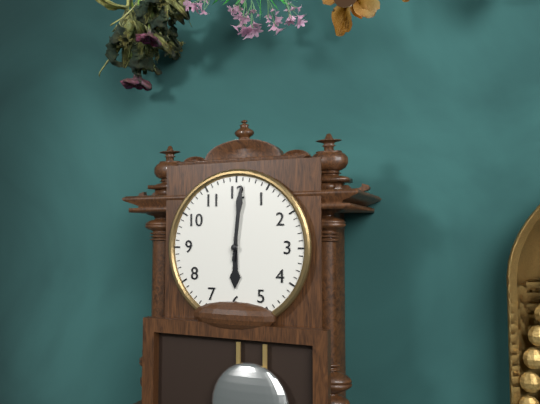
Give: 6:01
